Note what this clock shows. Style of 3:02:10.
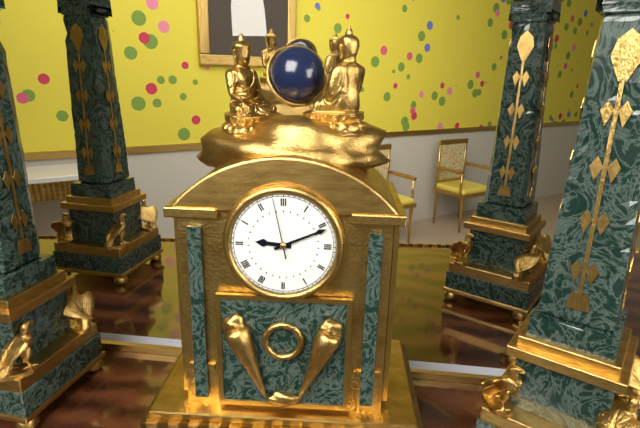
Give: 9:11:58
